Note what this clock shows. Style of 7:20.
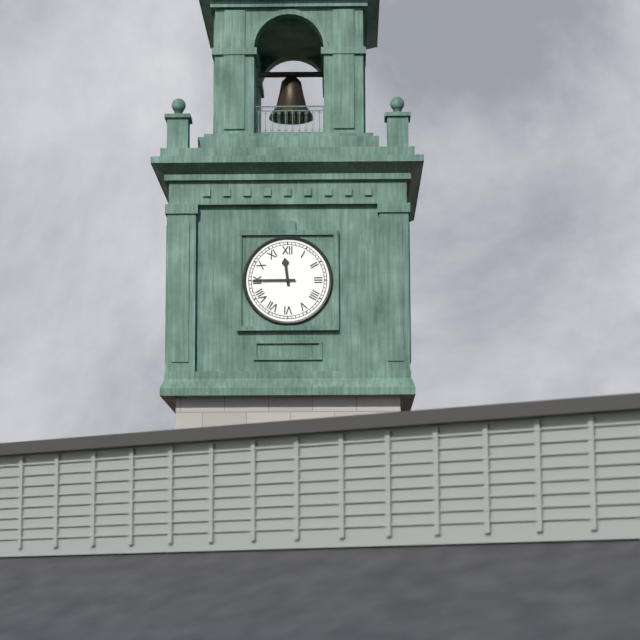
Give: 11:45
